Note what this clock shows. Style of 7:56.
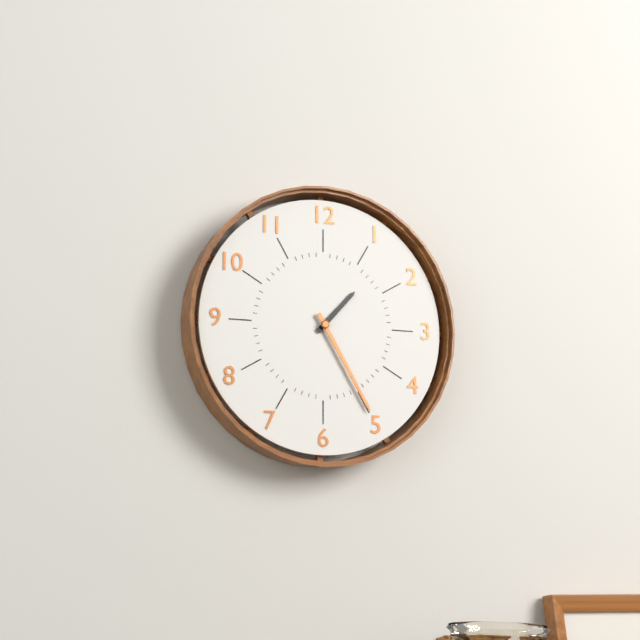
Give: 1:25
